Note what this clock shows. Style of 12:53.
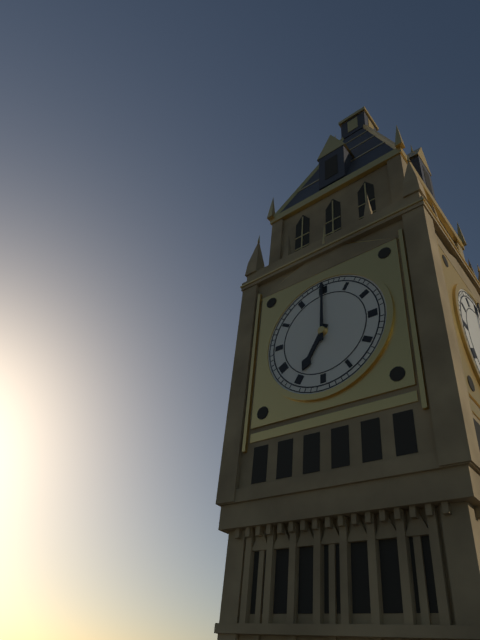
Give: 7:00
